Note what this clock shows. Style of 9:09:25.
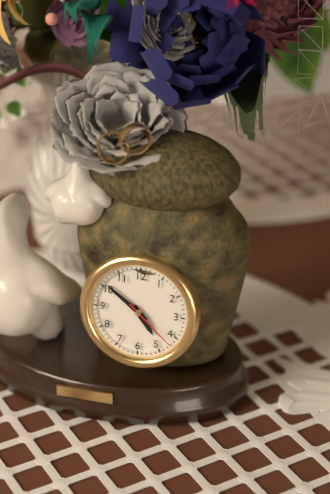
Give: 4:51:22
